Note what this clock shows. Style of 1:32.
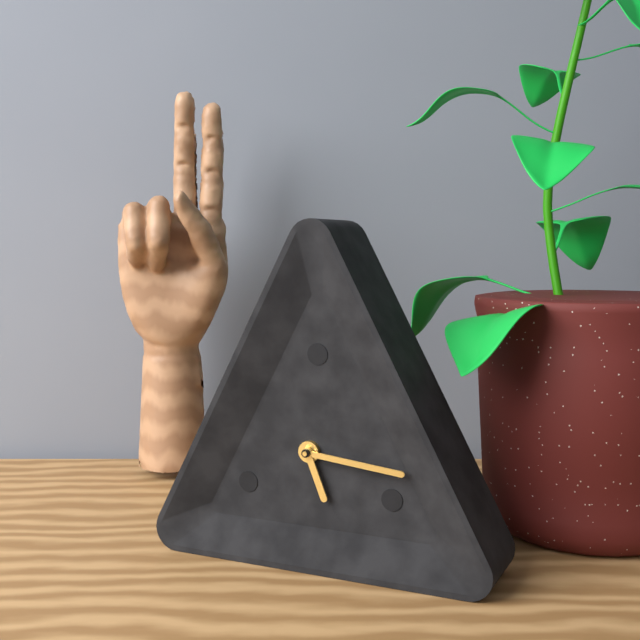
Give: 5:16
